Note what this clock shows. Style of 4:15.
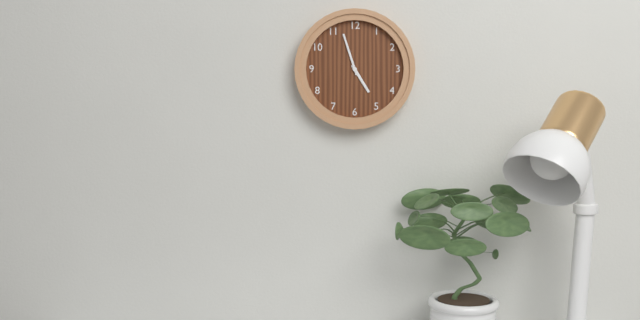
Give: 4:57
